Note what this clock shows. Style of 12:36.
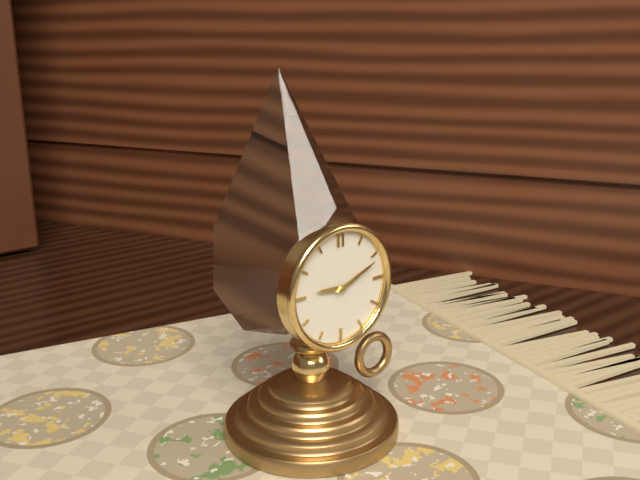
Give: 9:11
